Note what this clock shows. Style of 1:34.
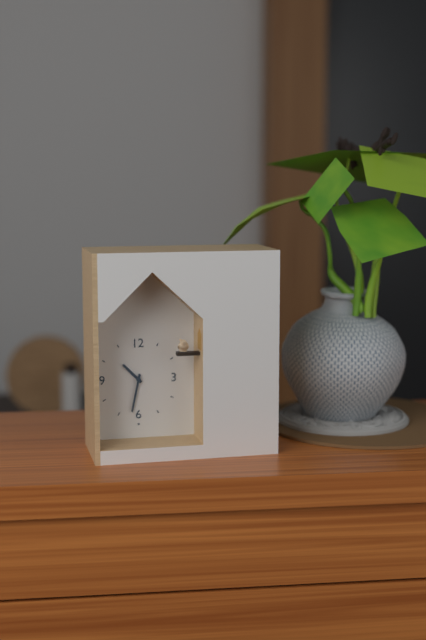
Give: 10:32
